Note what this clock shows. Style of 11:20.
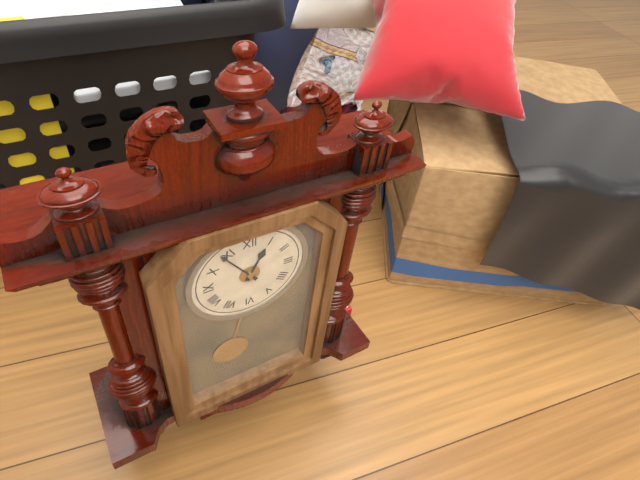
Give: 12:54
